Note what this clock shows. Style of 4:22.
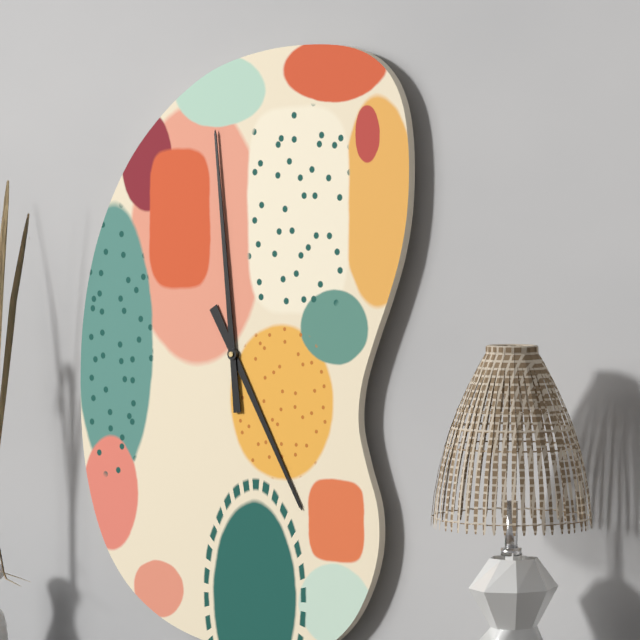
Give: 4:59
